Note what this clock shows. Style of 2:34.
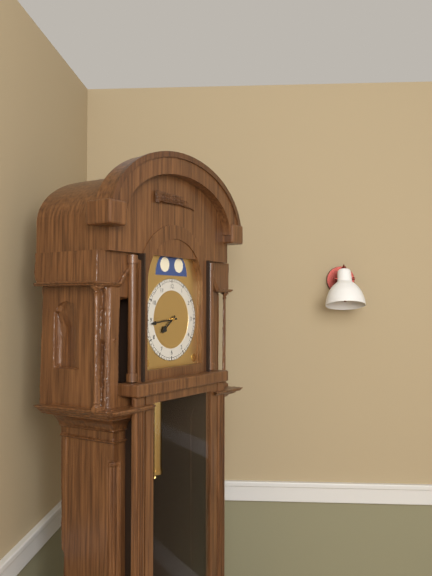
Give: 7:44
